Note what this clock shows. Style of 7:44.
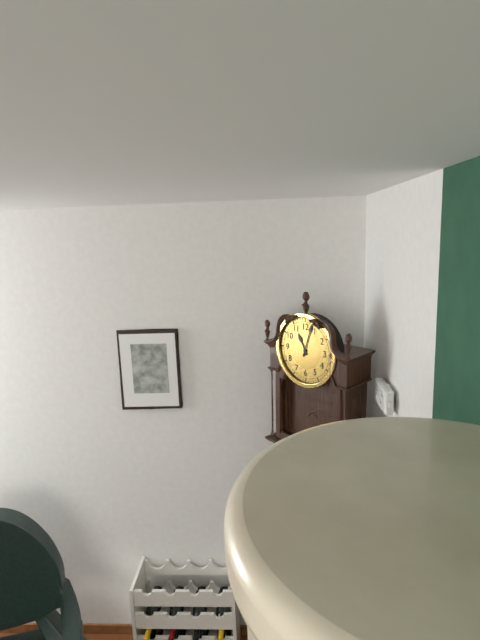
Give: 11:03
